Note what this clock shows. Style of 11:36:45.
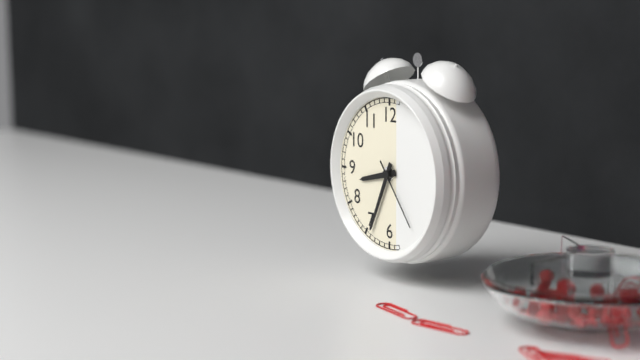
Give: 8:34:24
